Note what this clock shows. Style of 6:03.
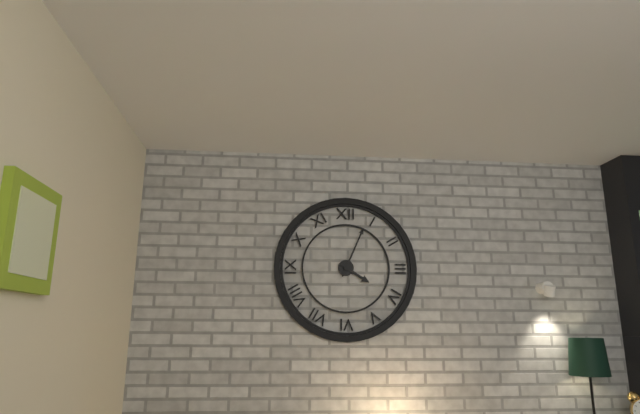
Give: 4:04
